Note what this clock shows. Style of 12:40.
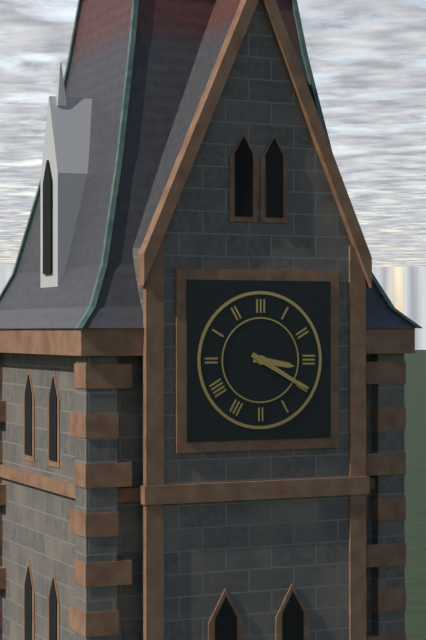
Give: 3:20
